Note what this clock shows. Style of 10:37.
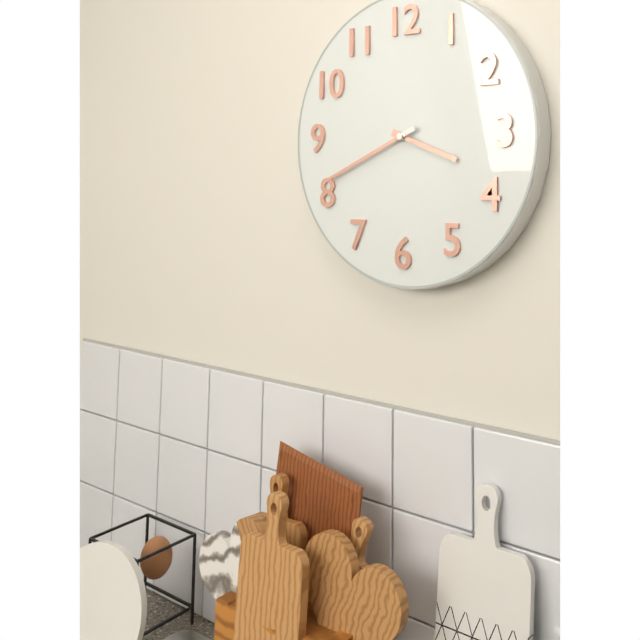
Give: 3:41
